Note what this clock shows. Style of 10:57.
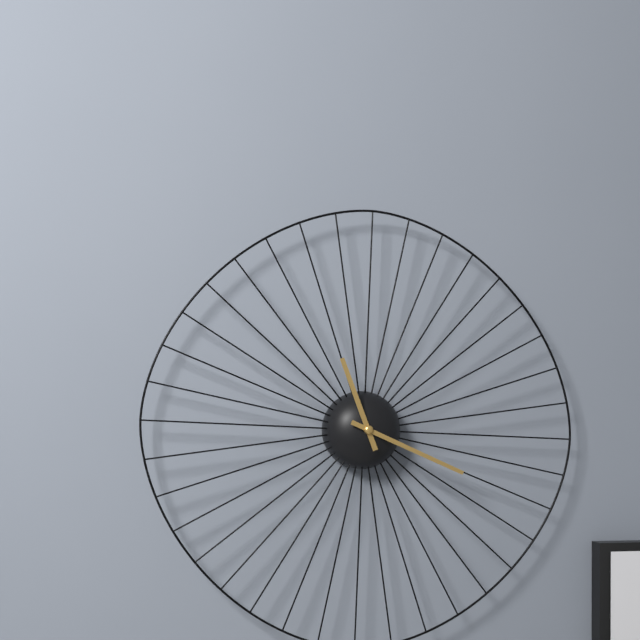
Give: 11:19
